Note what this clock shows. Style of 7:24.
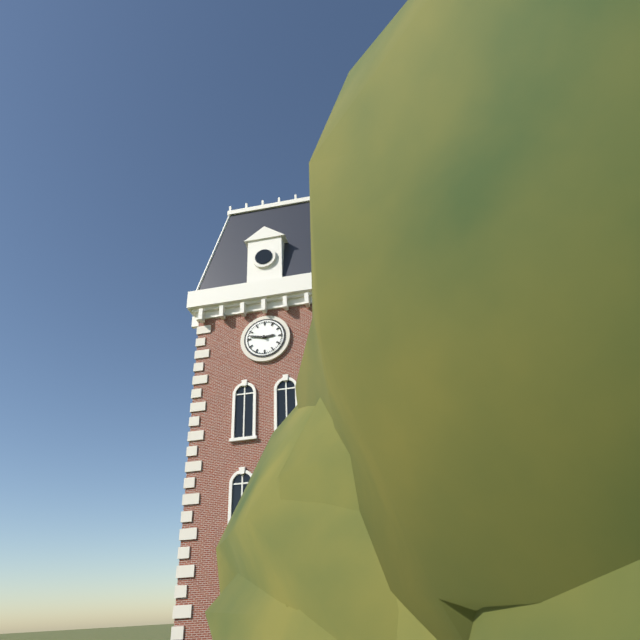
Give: 2:47
